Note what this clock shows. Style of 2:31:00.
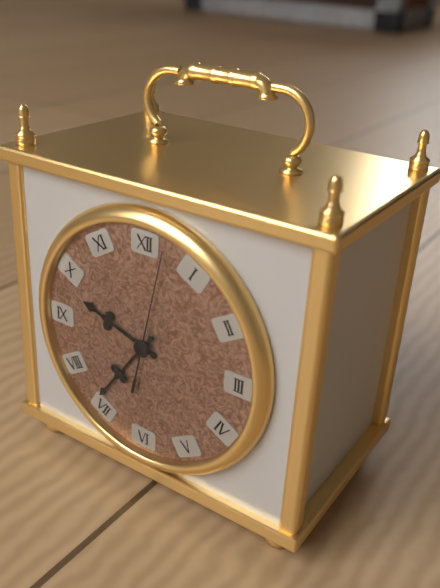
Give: 9:36:02
